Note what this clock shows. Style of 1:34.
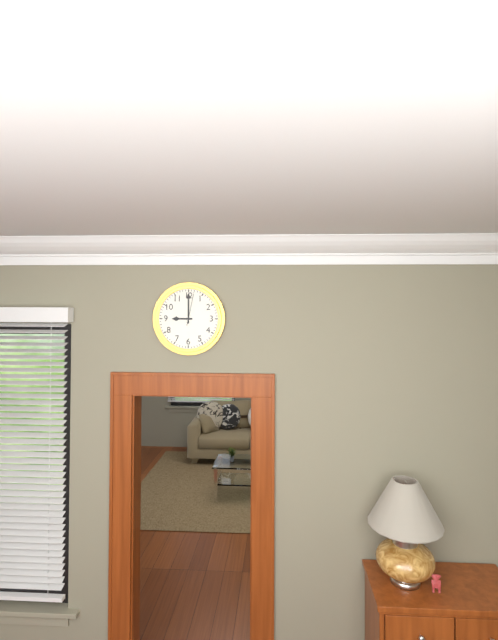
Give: 9:00
